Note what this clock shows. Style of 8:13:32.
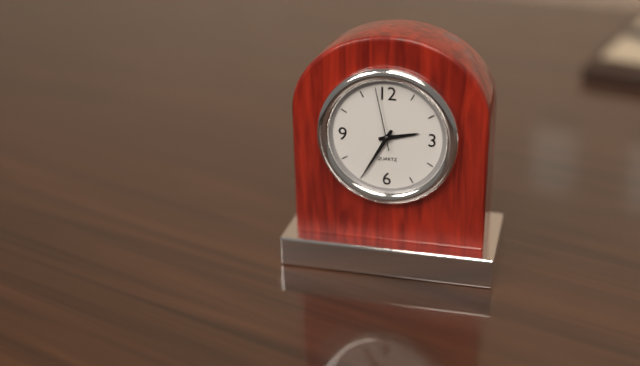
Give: 2:35:58
